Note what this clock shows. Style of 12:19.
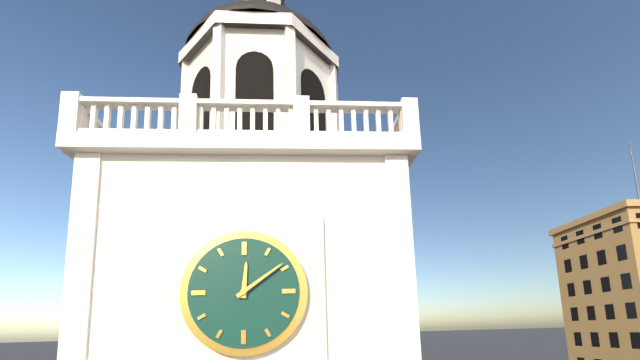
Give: 12:09
